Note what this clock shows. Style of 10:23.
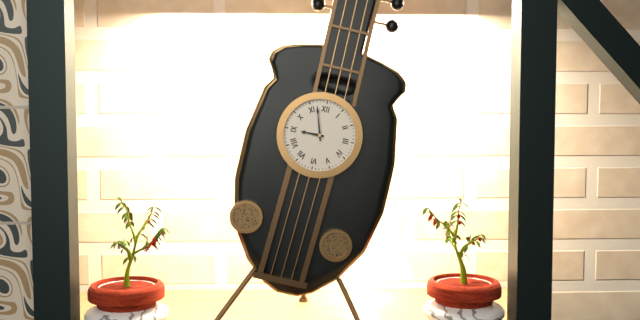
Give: 8:57
